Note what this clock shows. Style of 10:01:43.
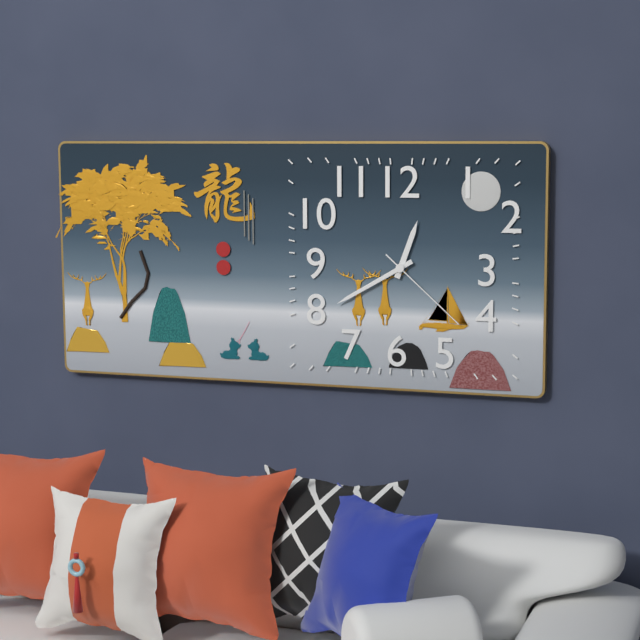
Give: 12:40:22
